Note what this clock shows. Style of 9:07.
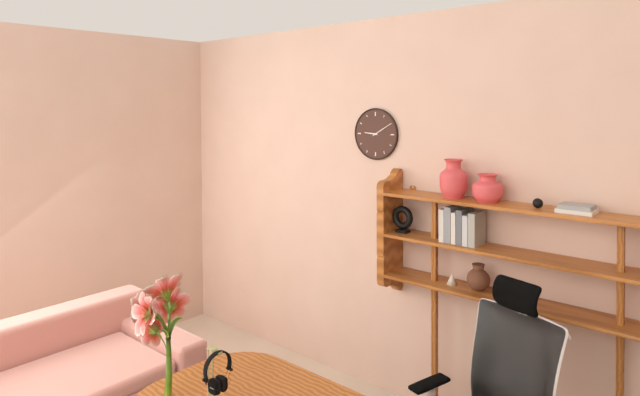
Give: 9:10
